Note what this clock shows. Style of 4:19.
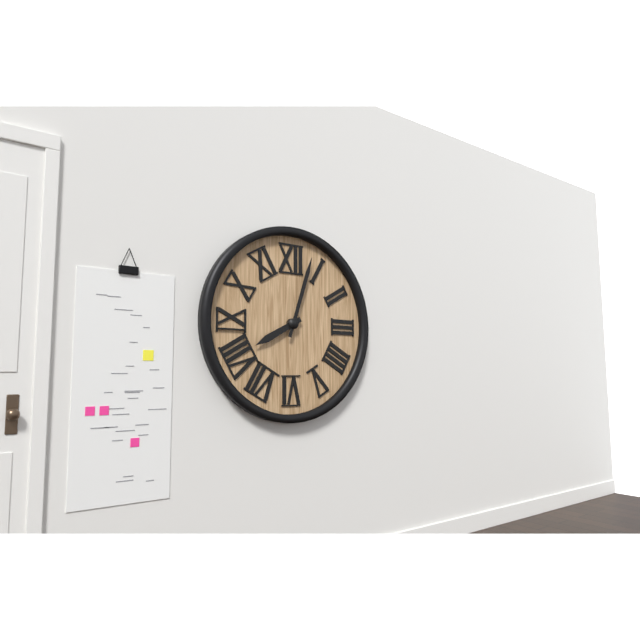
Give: 8:03
